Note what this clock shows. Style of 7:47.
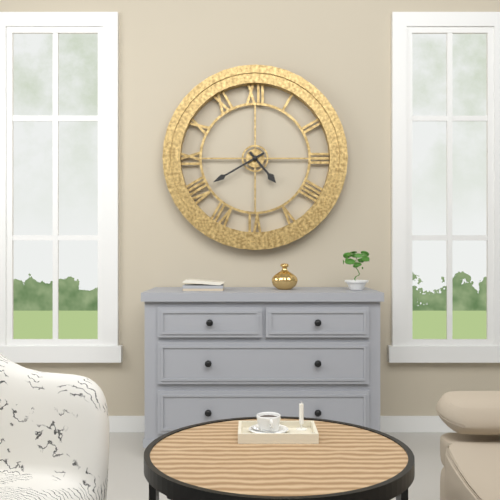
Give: 4:40
